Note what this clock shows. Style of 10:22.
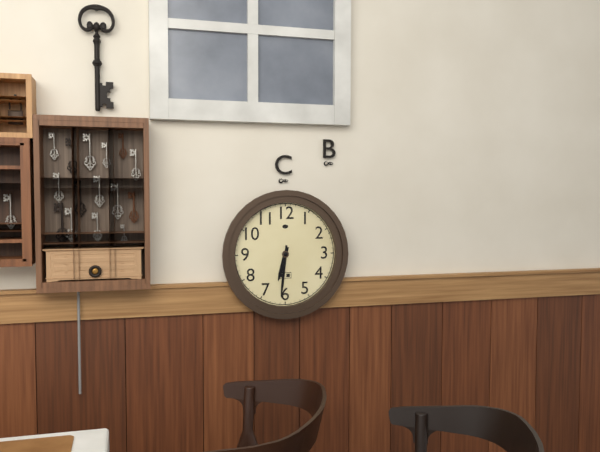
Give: 6:31
